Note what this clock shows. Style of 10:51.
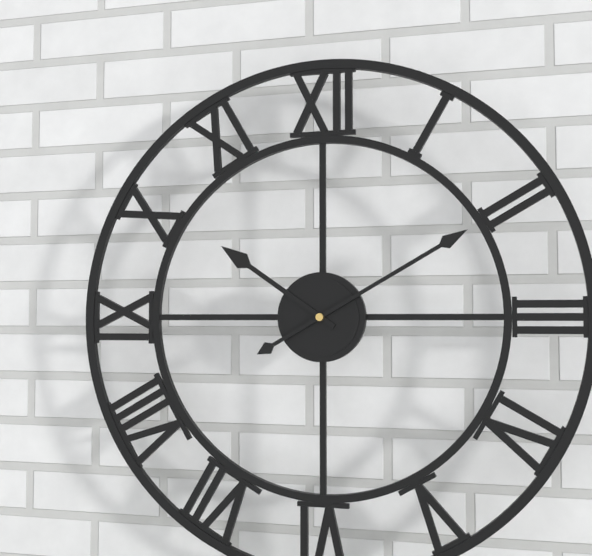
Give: 10:10
